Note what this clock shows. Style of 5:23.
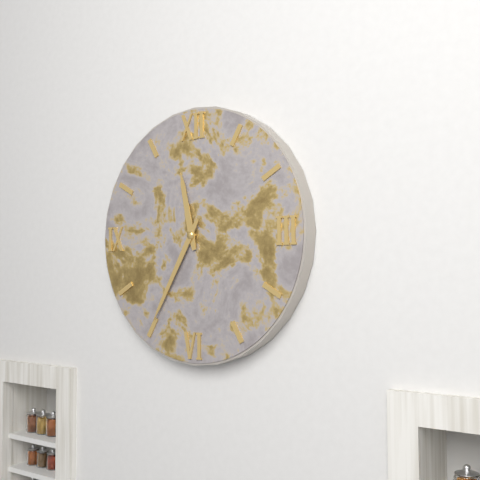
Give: 11:35
